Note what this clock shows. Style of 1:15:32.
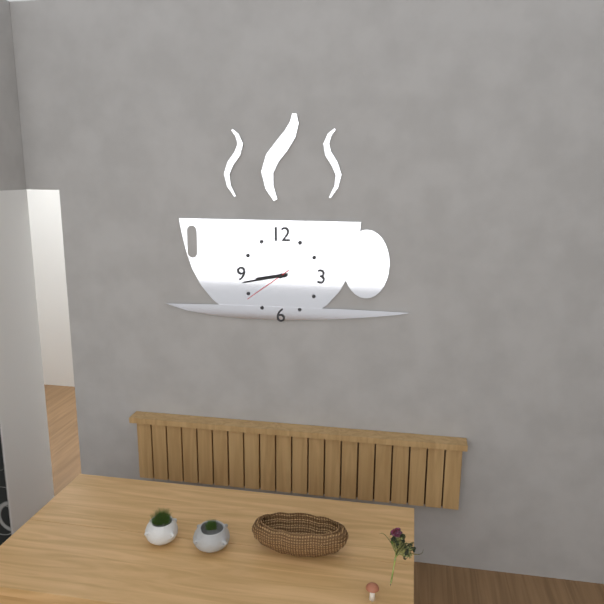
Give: 8:43:39
